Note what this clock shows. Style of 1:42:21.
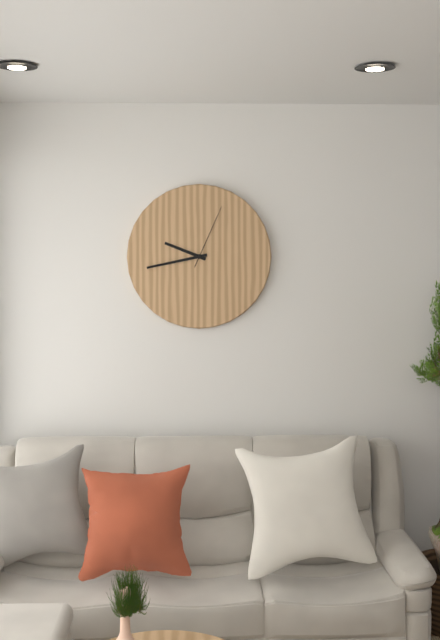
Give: 9:43:04
